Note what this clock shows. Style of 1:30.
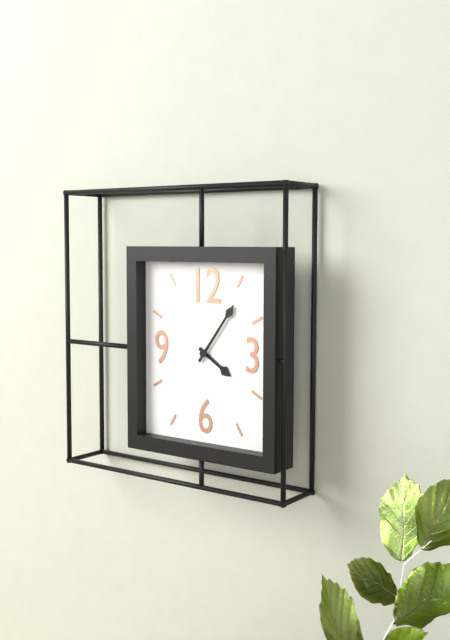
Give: 4:06
